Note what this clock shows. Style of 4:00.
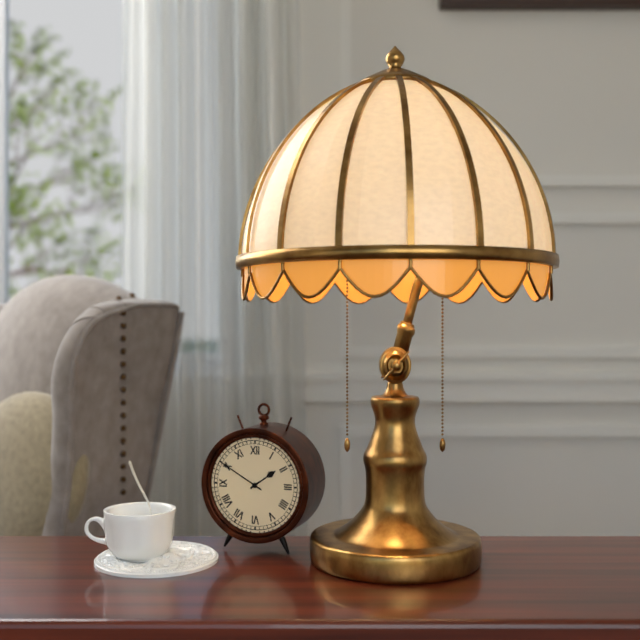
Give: 1:50
